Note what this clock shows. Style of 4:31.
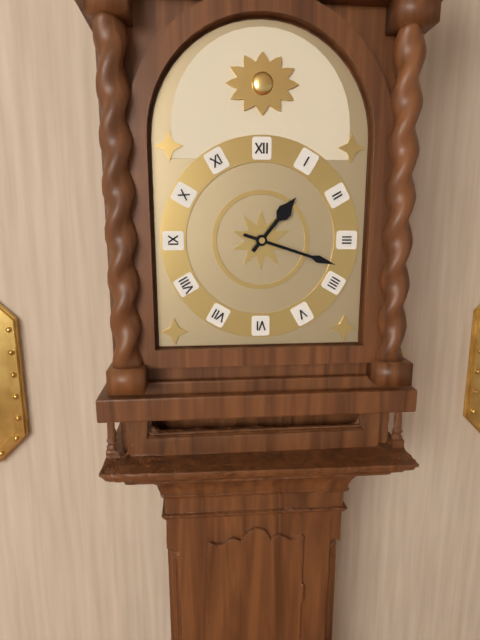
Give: 1:18
